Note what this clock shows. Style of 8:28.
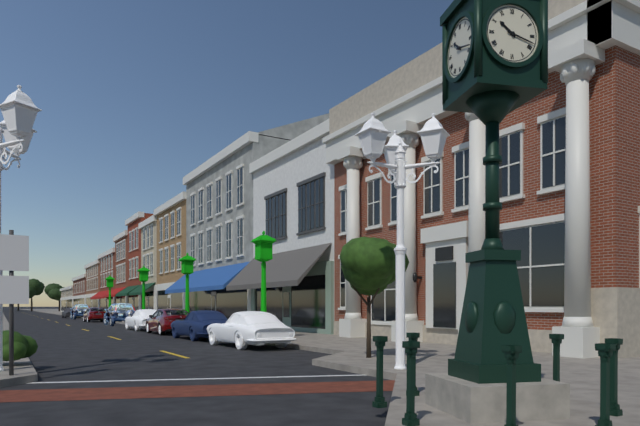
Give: 10:18
